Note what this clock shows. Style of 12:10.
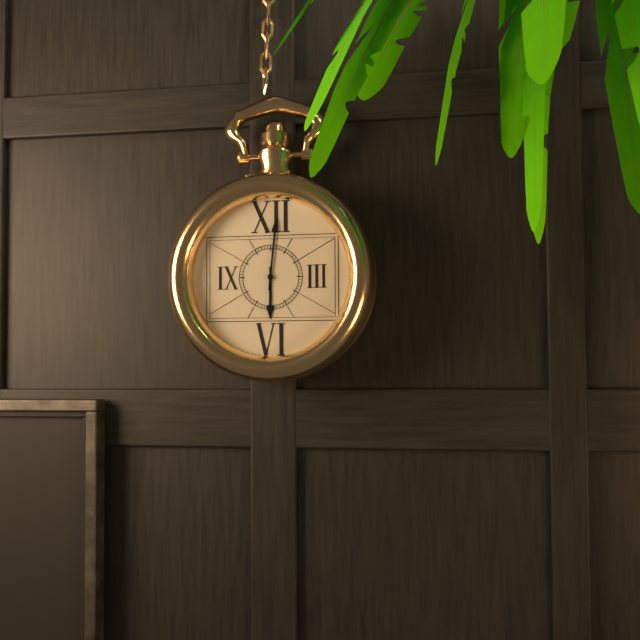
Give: 6:01
